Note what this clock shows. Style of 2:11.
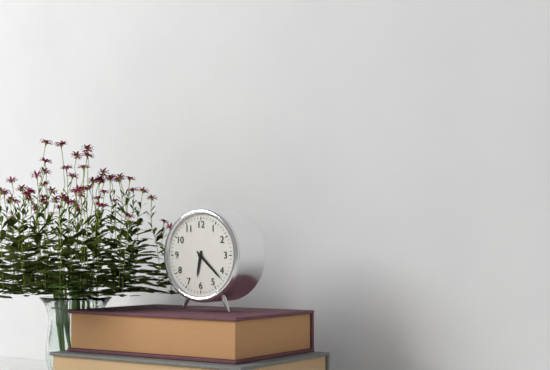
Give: 6:22
